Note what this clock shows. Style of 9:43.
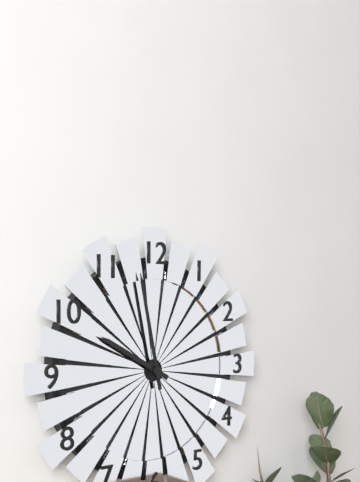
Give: 9:58
